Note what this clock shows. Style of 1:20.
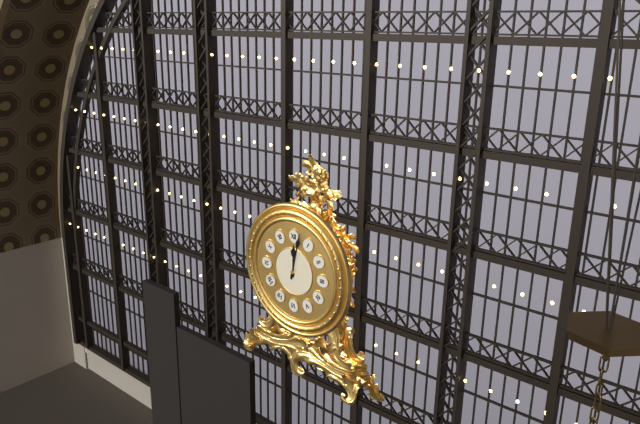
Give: 12:02
